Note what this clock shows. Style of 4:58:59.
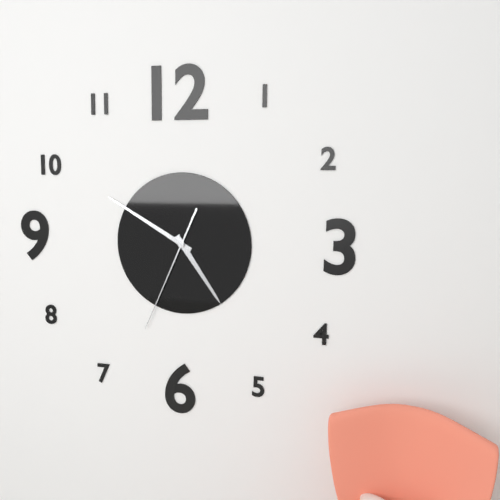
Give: 4:50:34
